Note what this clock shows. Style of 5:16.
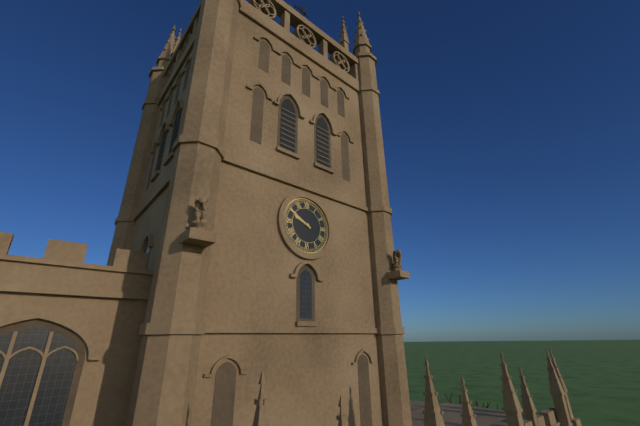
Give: 9:50
